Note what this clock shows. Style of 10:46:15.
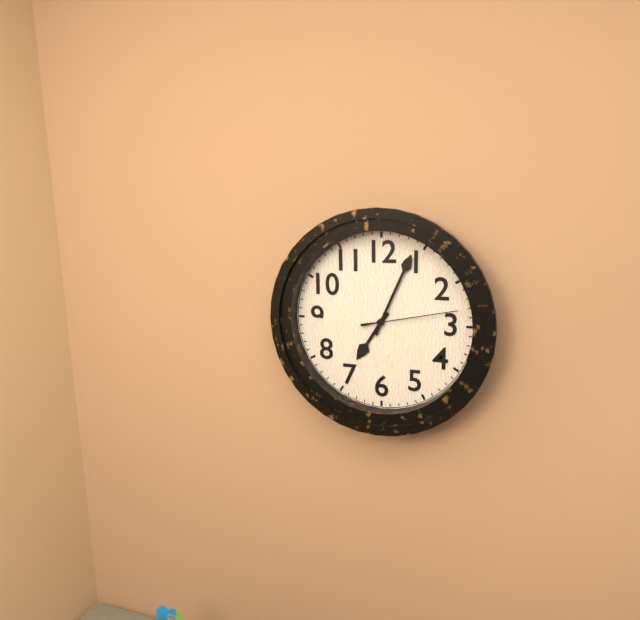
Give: 7:04:13
